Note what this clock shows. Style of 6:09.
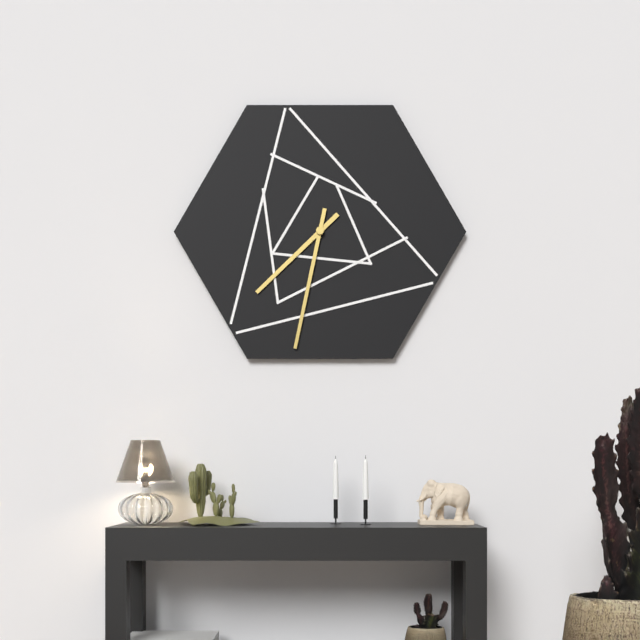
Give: 7:32
